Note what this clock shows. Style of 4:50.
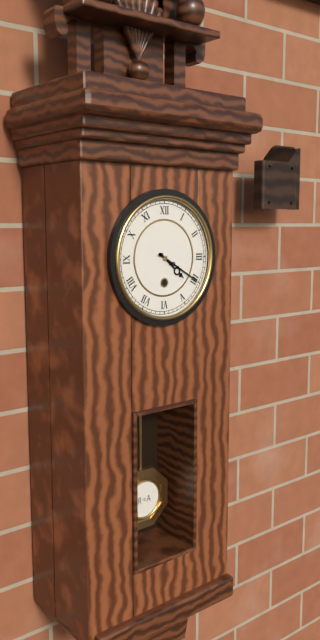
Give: 4:20
